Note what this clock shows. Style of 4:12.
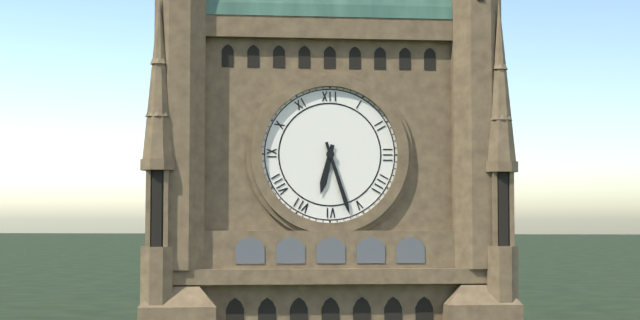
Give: 6:27
